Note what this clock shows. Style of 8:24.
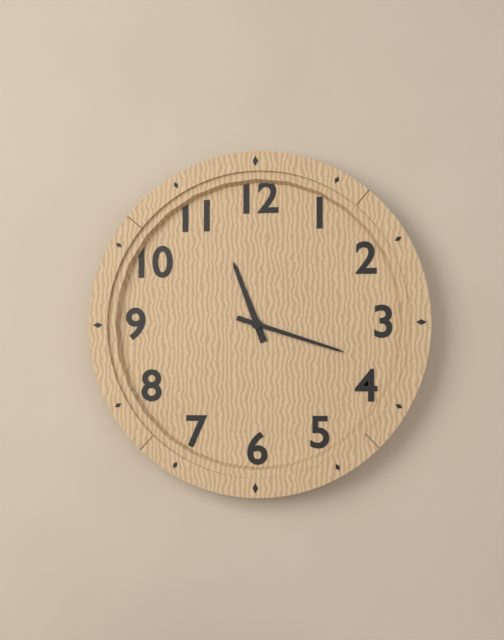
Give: 11:18
